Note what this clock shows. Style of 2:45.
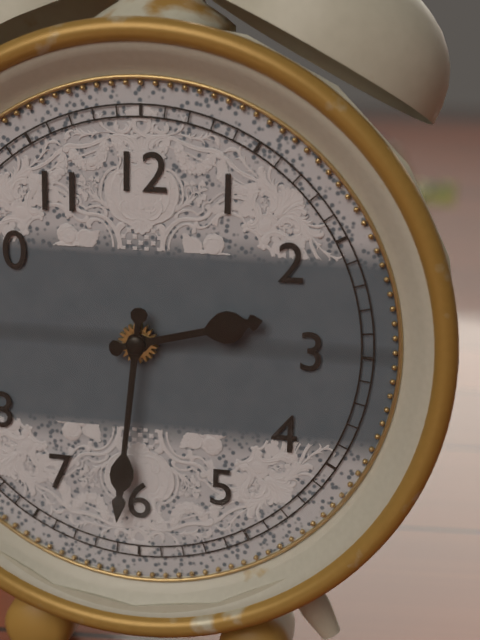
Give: 2:31
